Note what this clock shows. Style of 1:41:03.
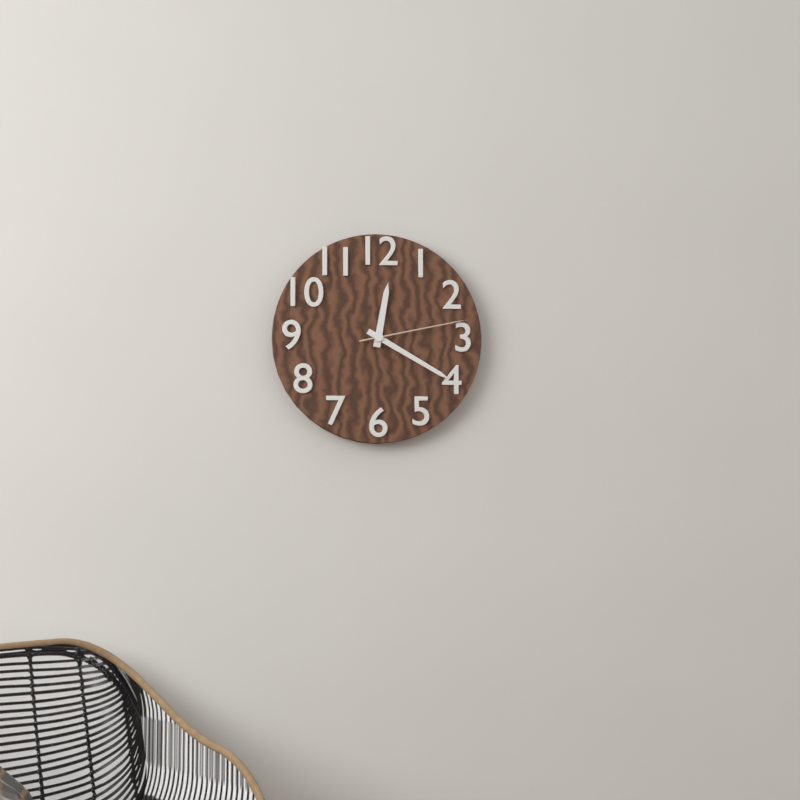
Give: 12:20:13
